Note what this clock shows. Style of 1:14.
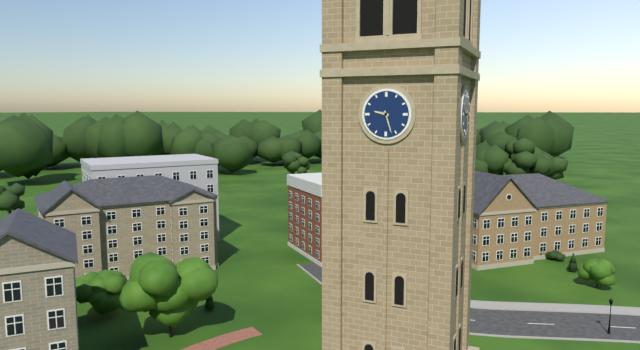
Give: 9:27
